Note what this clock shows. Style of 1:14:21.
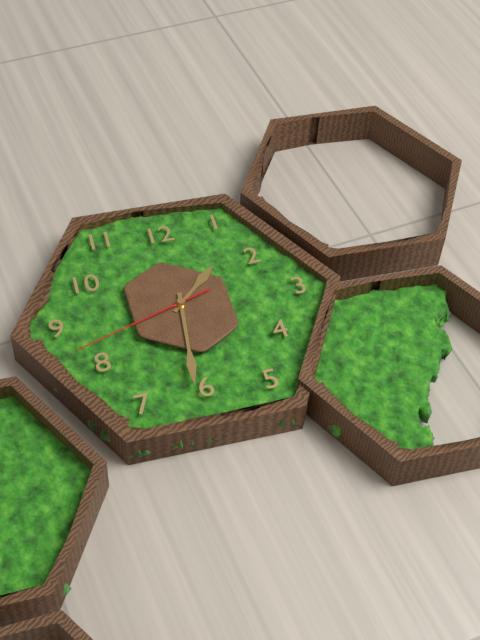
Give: 1:31:42
